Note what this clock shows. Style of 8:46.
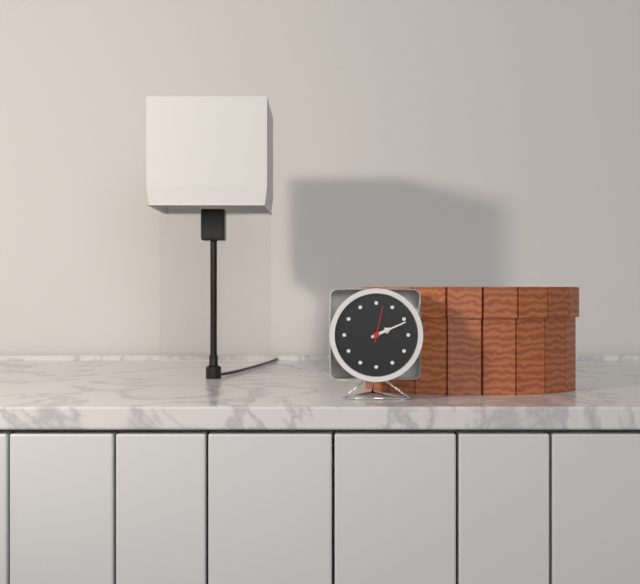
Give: 2:11
